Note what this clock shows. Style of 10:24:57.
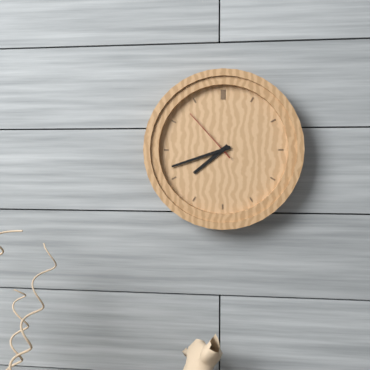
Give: 7:42:53
